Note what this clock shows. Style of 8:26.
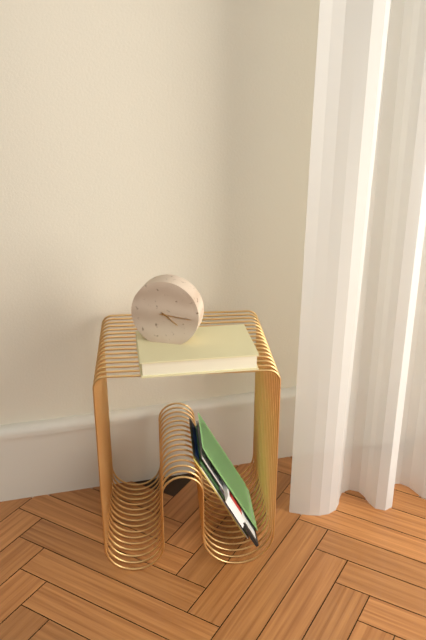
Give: 4:16
